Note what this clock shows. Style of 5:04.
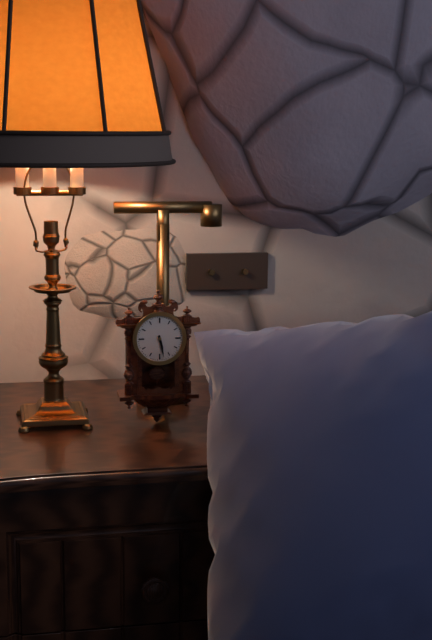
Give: 5:28
